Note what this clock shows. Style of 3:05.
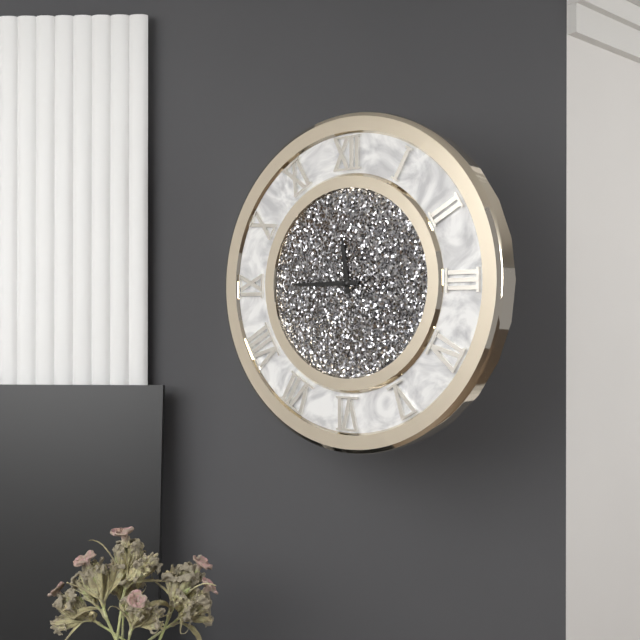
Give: 11:45
